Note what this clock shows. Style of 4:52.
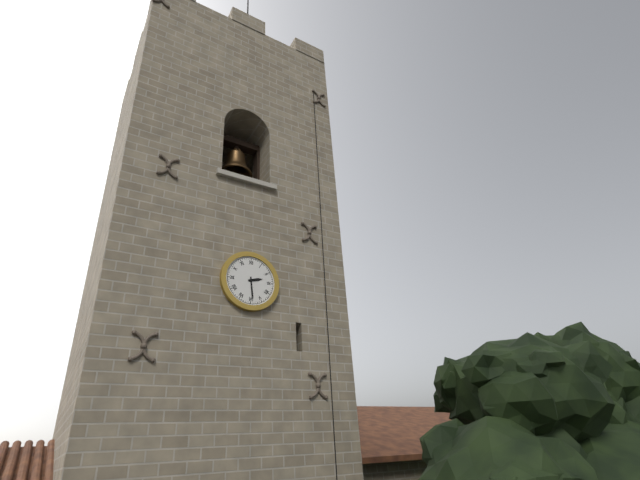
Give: 2:29
